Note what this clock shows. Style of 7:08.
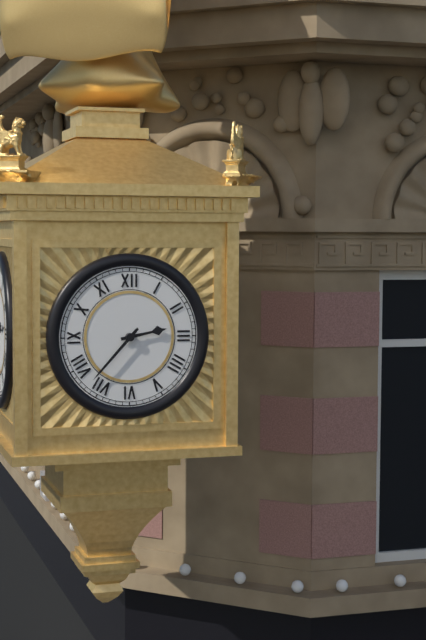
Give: 2:37
